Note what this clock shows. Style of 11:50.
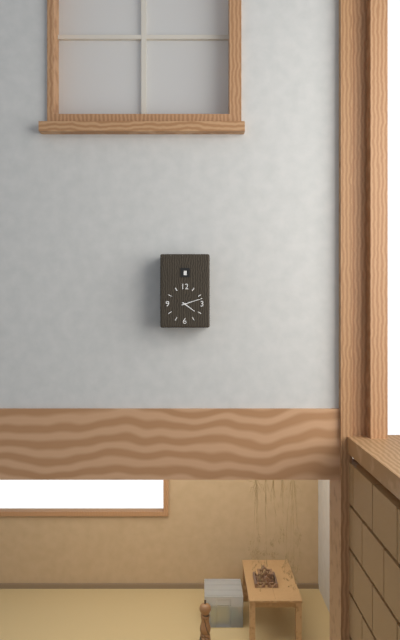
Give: 4:12
